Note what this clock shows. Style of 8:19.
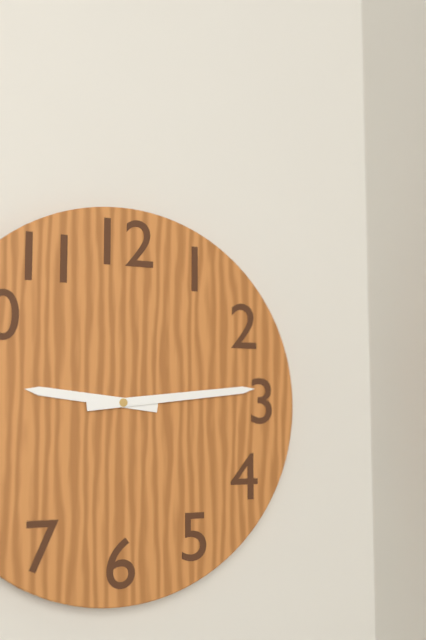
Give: 9:14
